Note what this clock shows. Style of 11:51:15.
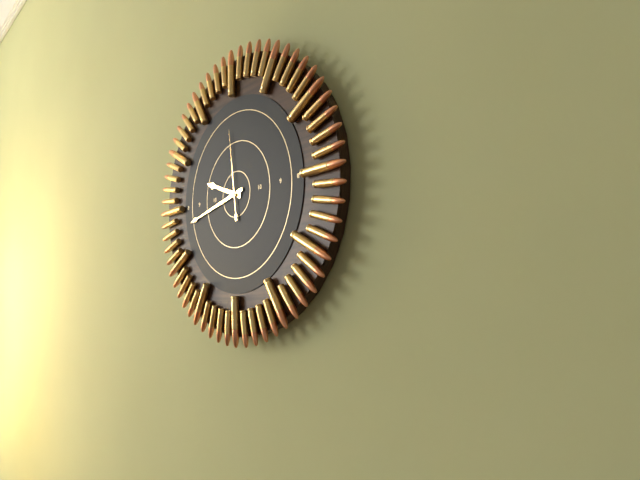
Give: 9:43:59
